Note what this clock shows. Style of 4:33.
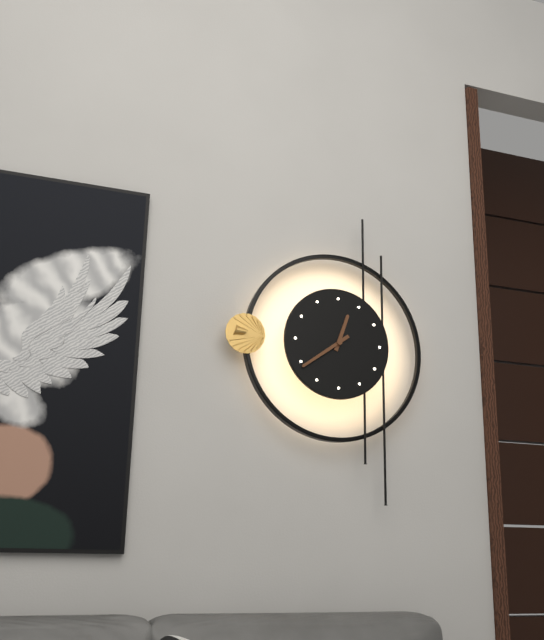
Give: 12:39
